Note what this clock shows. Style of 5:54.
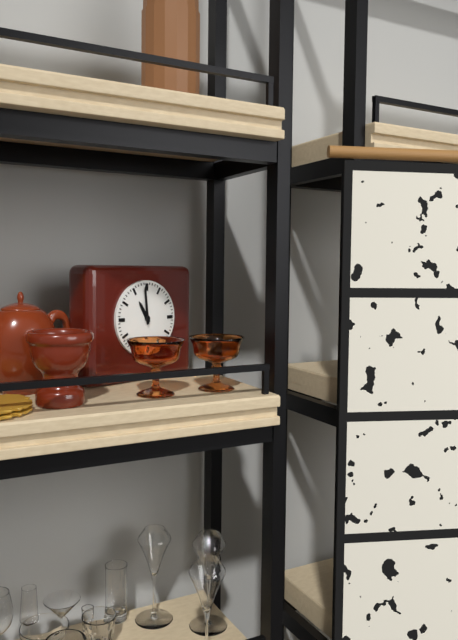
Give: 10:59
